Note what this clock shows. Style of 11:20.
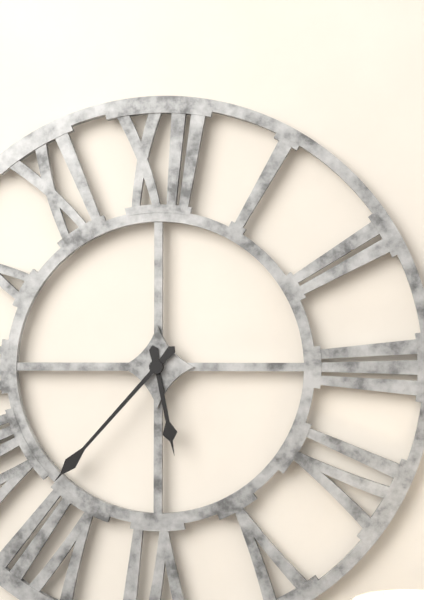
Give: 5:37
